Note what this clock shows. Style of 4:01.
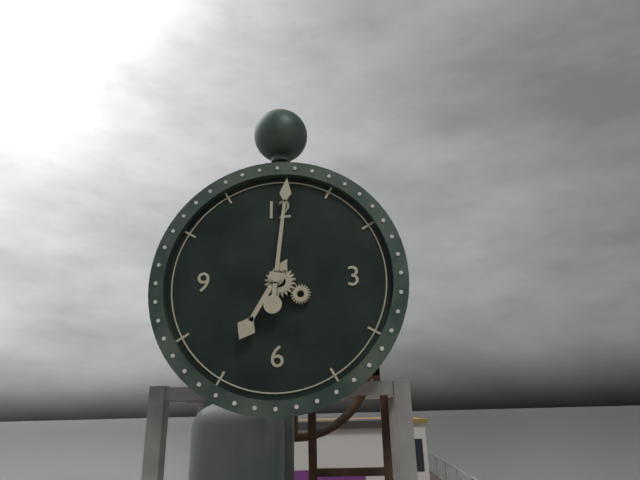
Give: 7:01
